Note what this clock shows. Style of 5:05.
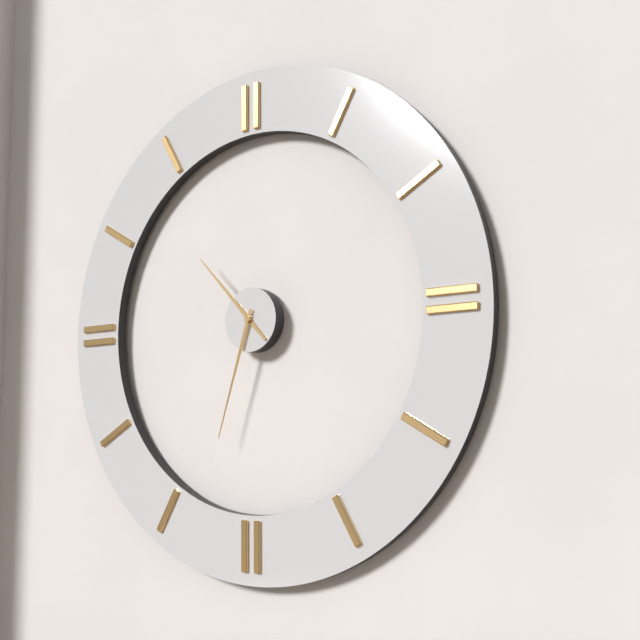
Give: 10:33
